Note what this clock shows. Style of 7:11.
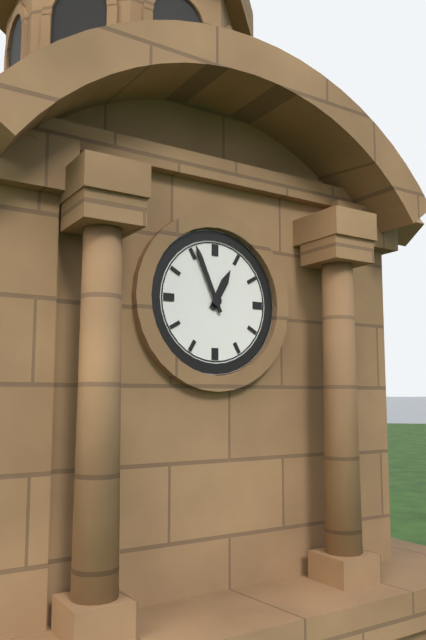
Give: 12:56
